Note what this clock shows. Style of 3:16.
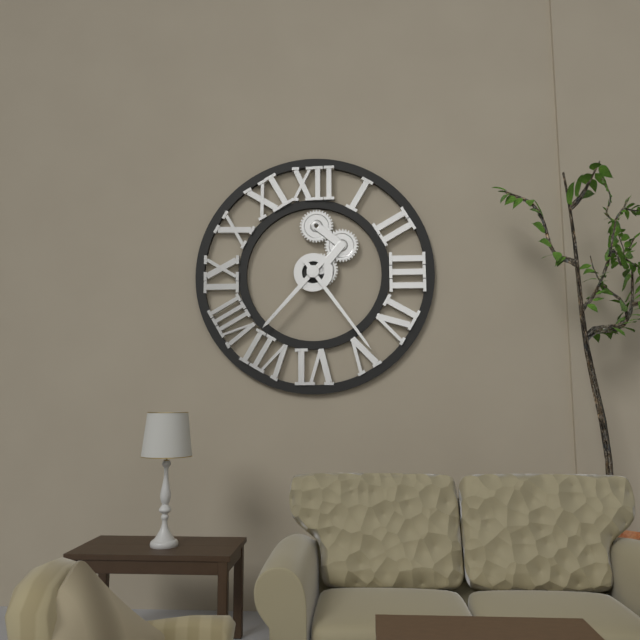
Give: 7:24
